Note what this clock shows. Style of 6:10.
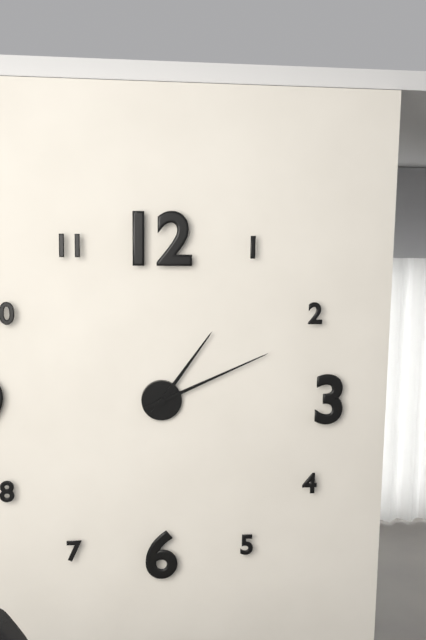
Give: 1:11
